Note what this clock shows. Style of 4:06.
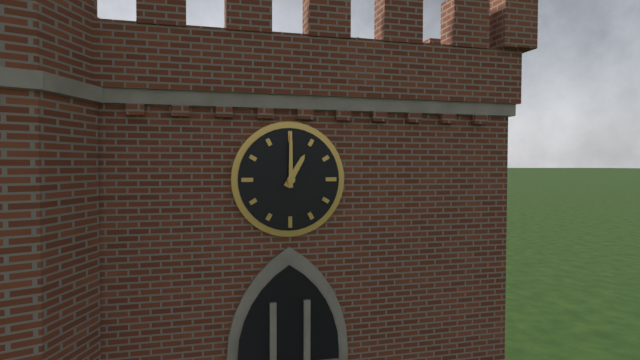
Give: 1:00
